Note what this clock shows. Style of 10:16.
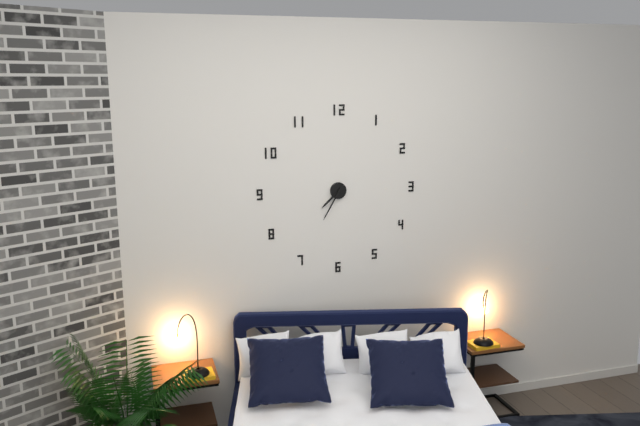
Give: 7:35
